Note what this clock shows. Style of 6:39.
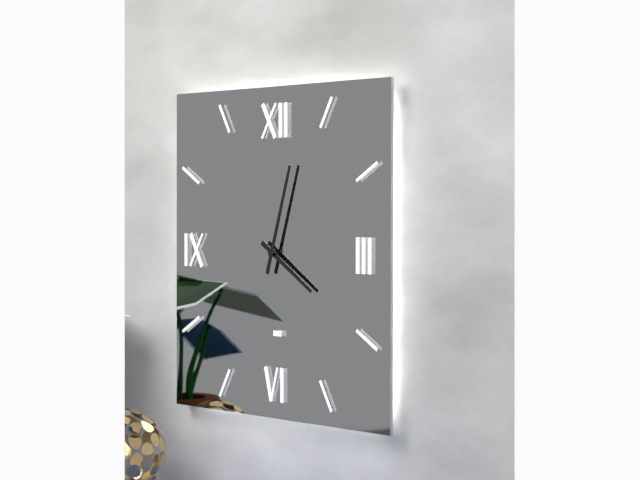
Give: 4:03
